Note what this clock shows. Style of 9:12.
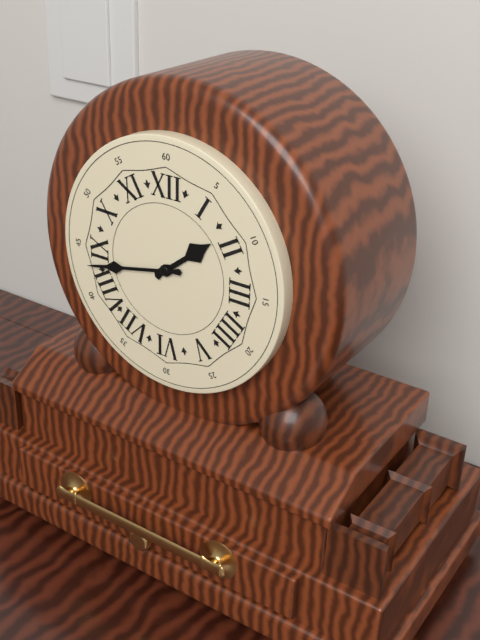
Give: 1:43
